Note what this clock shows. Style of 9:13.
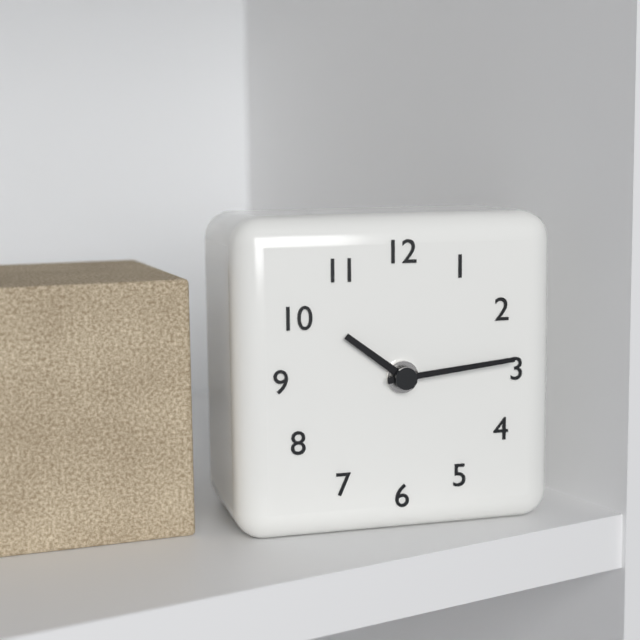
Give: 10:14
